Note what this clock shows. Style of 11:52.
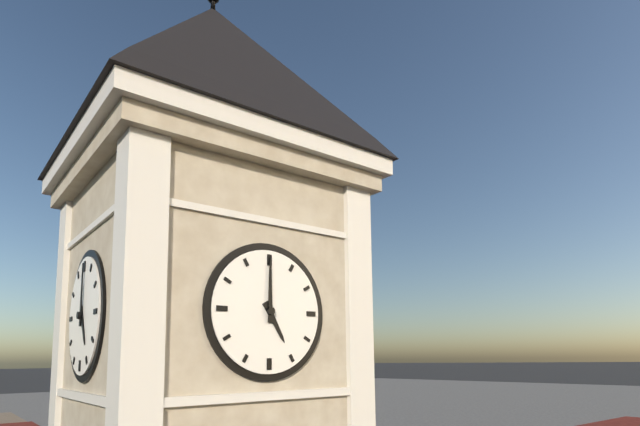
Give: 5:00
